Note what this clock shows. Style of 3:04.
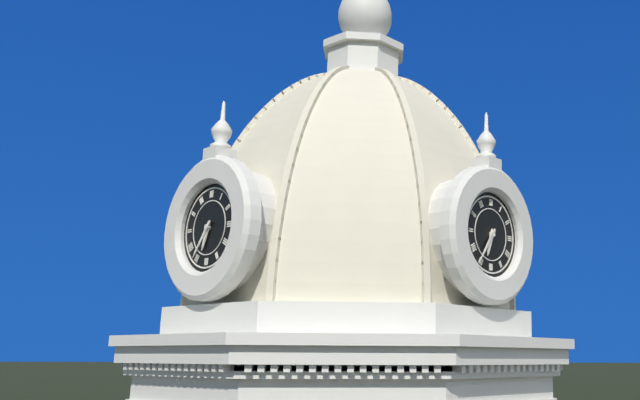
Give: 6:36
